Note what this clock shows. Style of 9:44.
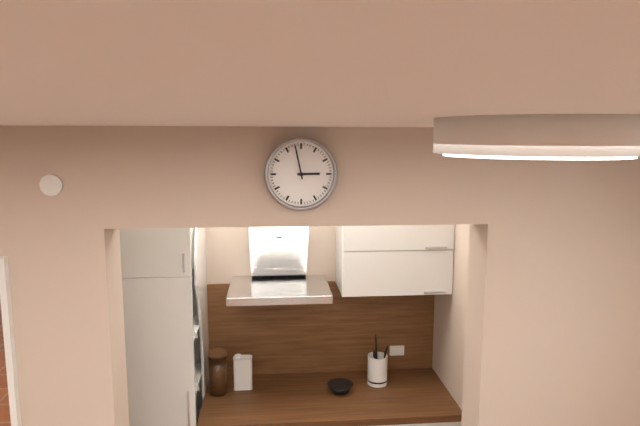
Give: 2:58
